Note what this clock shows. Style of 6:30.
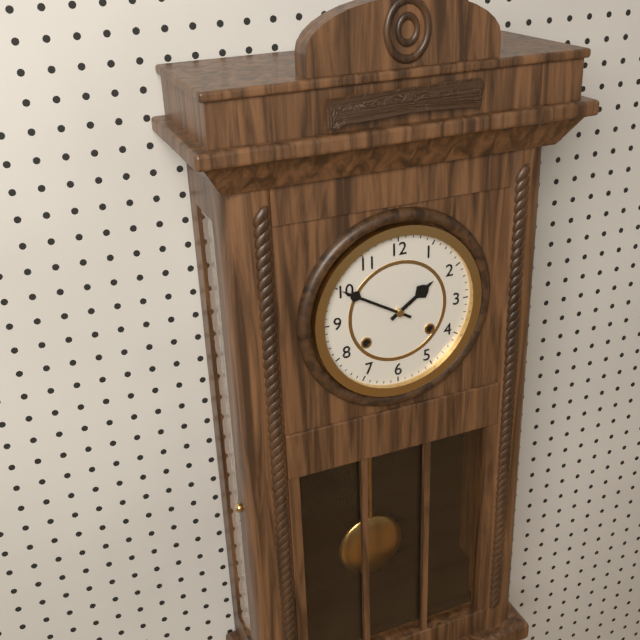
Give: 1:50
